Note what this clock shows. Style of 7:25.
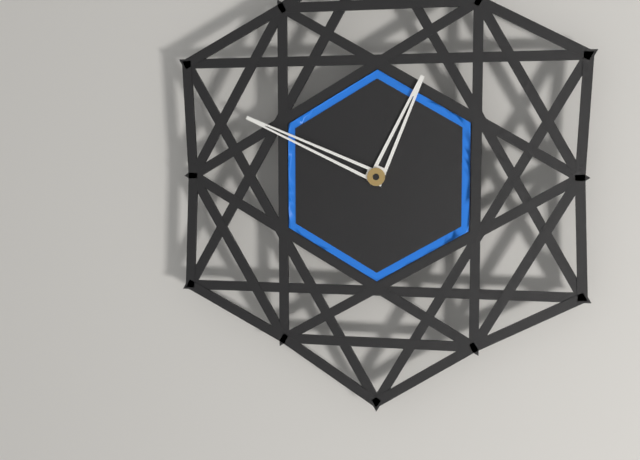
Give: 12:49
